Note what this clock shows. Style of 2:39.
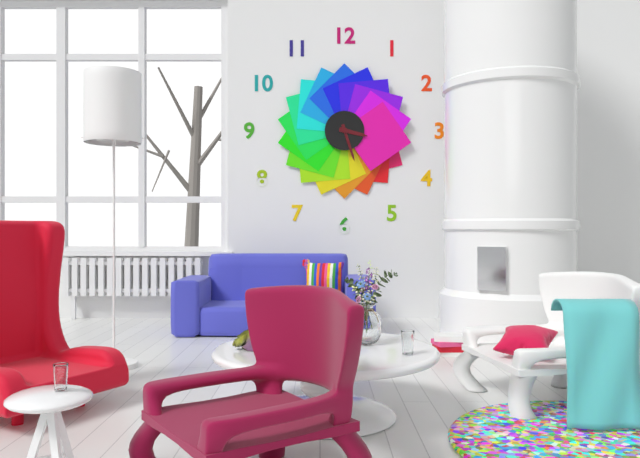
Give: 3:27
